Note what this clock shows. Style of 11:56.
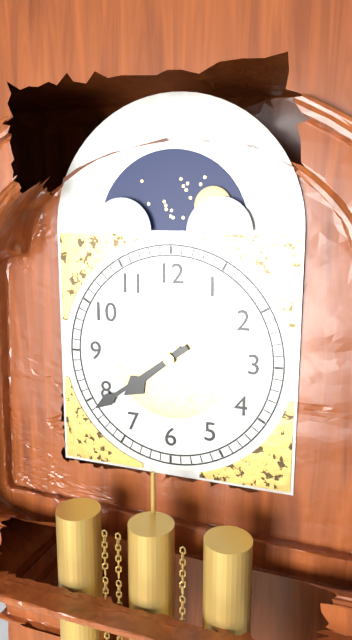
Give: 7:39
